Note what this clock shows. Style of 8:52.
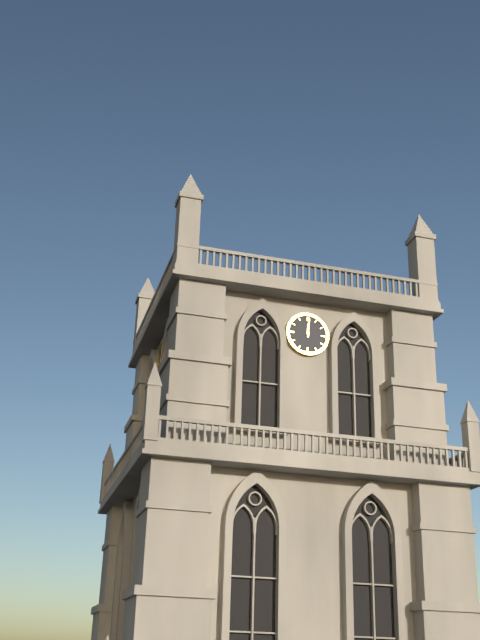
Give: 12:01
